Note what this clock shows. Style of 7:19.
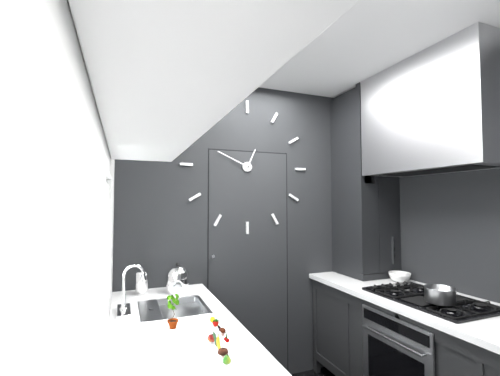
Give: 12:49
